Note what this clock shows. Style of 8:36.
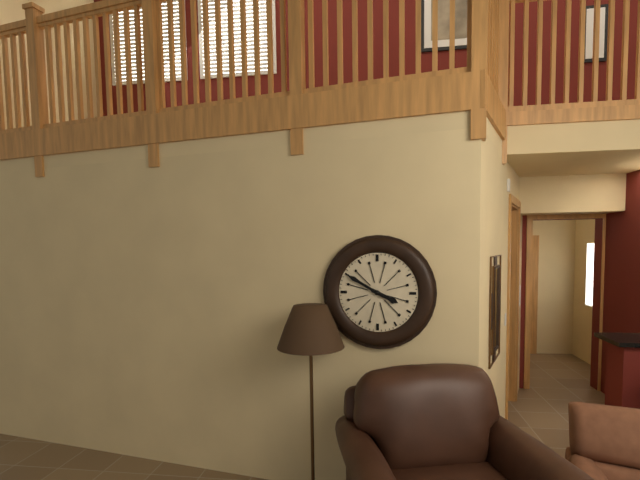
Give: 3:50
